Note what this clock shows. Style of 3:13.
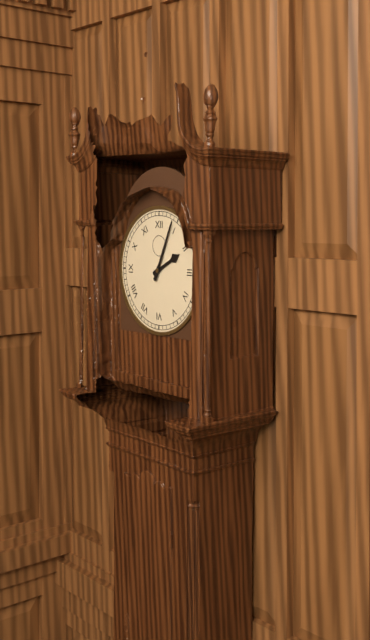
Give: 2:04
